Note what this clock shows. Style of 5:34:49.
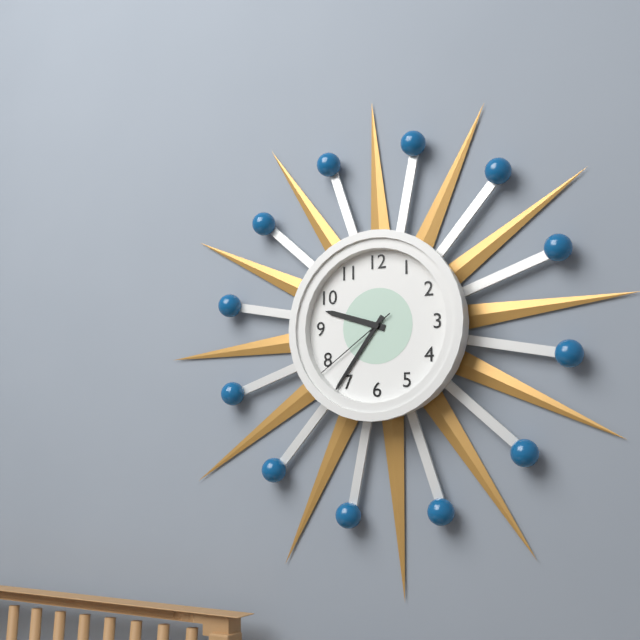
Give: 9:36:39
